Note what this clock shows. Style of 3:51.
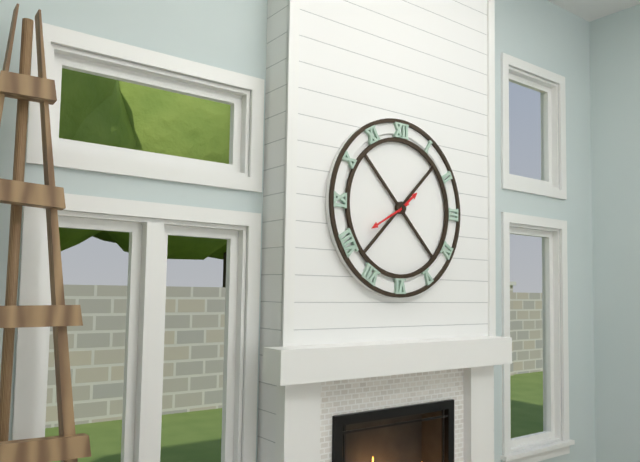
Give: 1:40
